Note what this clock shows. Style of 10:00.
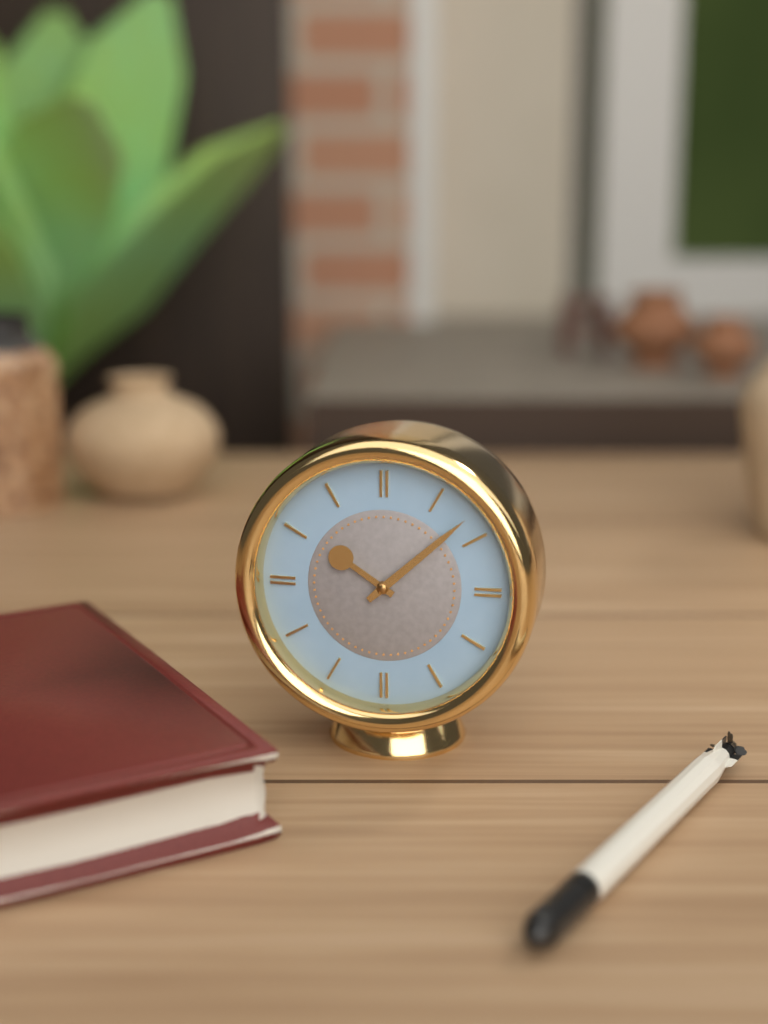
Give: 10:08
